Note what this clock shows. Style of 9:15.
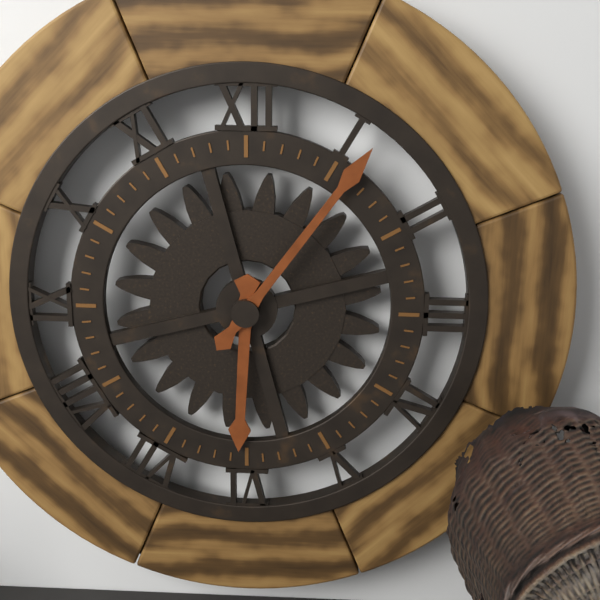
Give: 6:06
